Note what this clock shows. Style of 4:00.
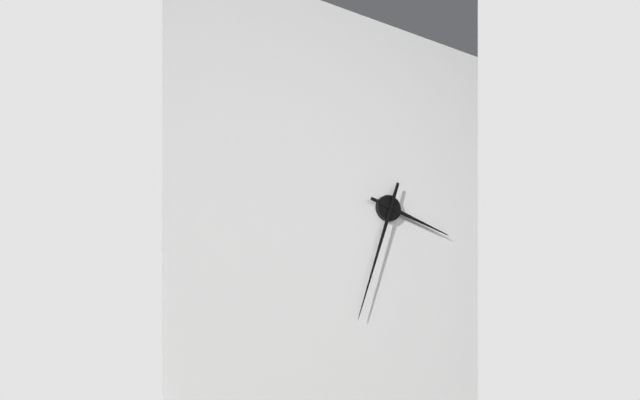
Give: 3:33
